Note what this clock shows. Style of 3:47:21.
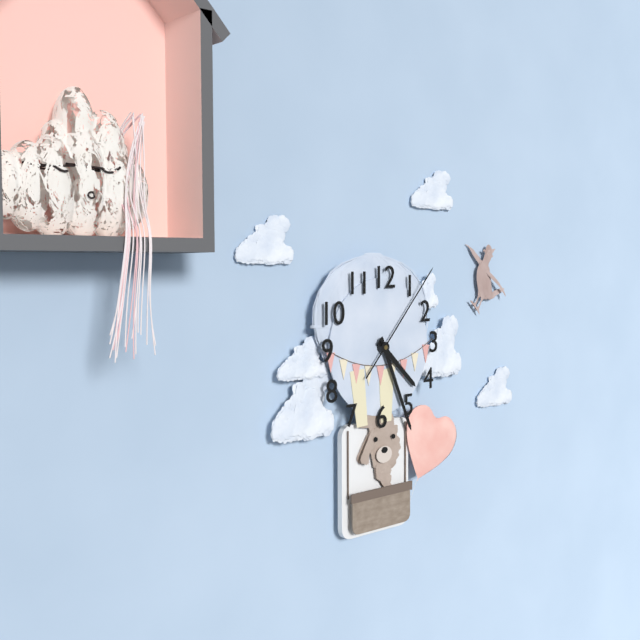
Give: 4:26:07
